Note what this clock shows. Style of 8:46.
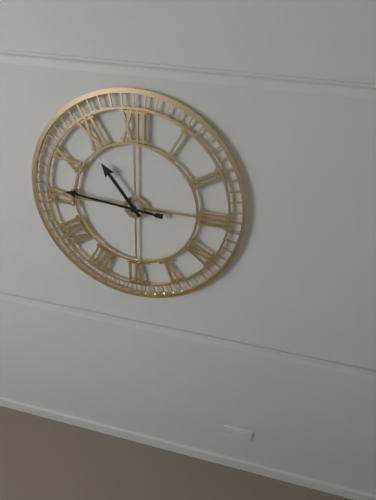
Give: 10:46
